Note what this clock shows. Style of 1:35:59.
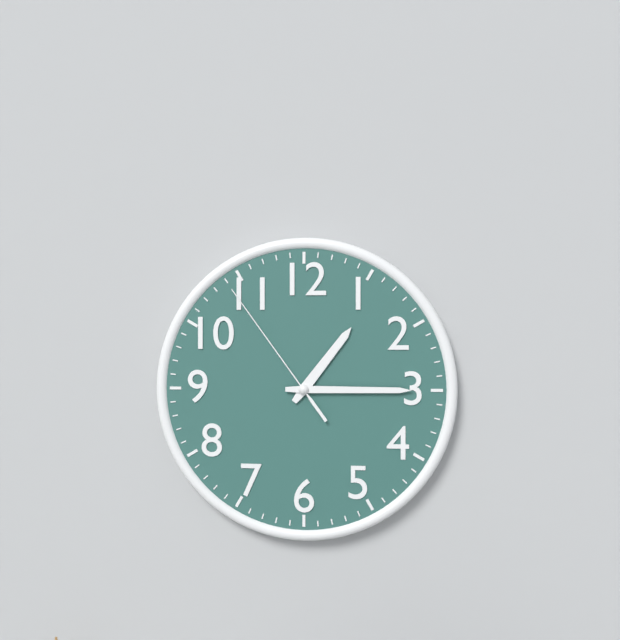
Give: 1:15:54
